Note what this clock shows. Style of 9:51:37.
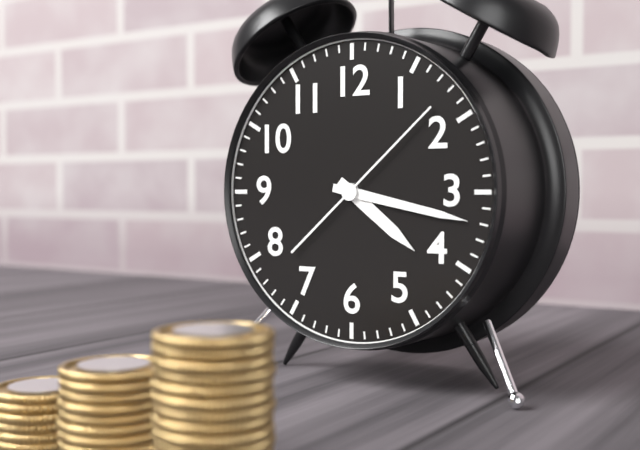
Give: 4:17:08
